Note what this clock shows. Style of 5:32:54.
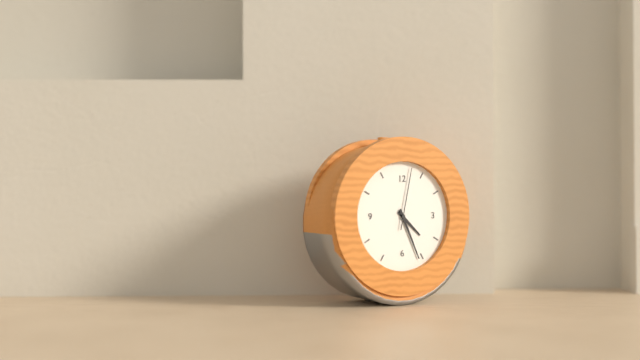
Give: 4:26:02
